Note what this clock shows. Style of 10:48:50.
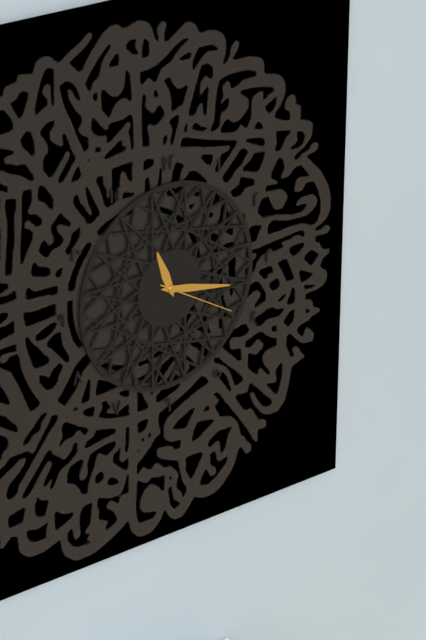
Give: 11:17:20
